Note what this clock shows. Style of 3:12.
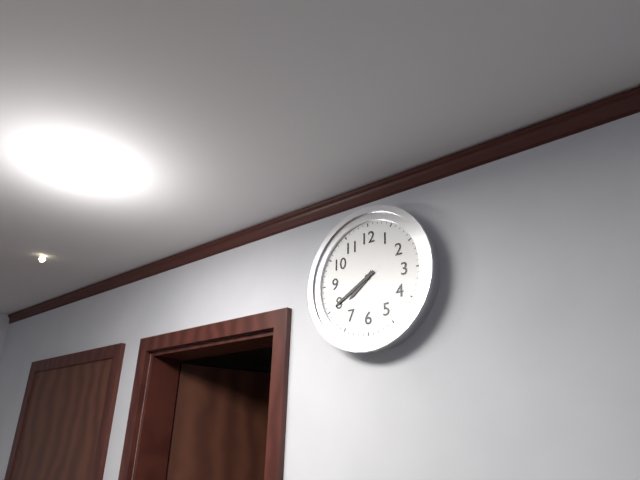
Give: 7:40
